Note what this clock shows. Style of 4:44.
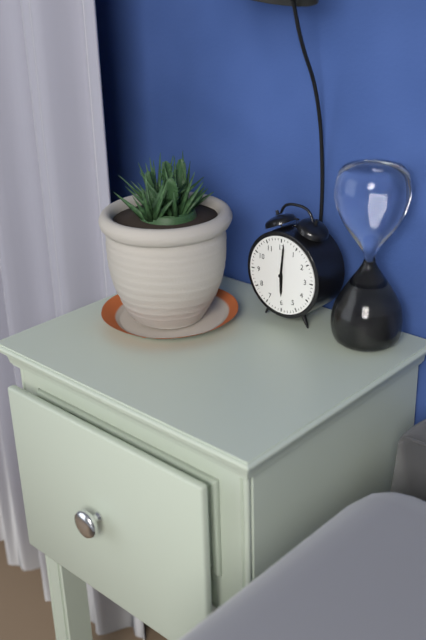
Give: 6:01
